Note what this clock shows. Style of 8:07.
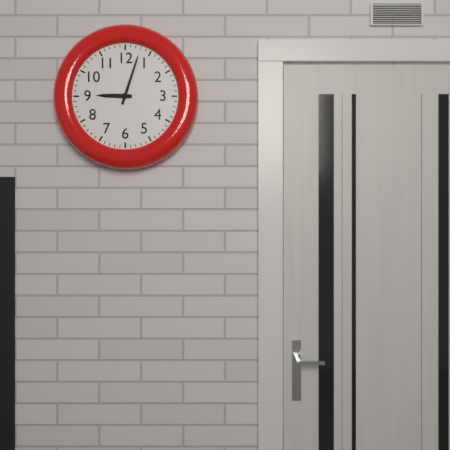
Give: 9:03
